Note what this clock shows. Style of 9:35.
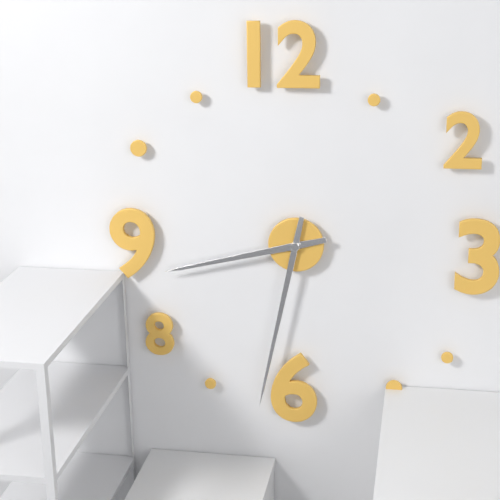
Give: 8:32
